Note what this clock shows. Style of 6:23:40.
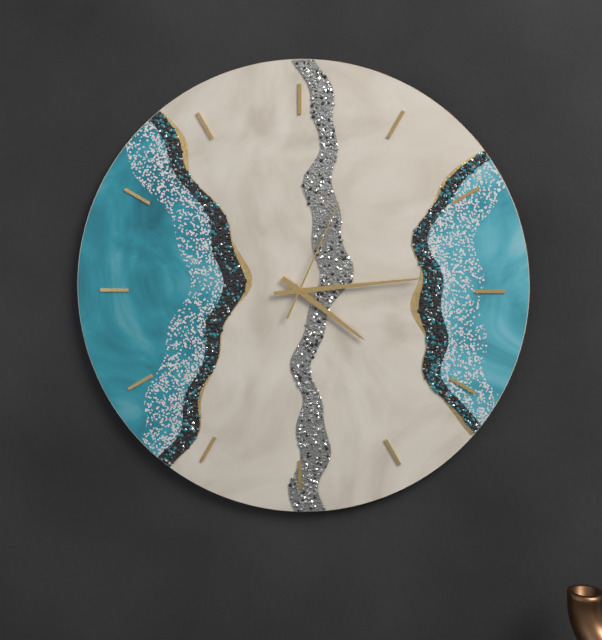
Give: 4:14:04
